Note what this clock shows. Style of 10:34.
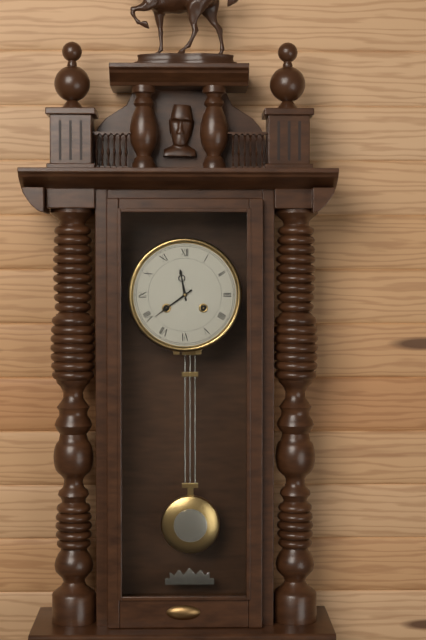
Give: 11:39
